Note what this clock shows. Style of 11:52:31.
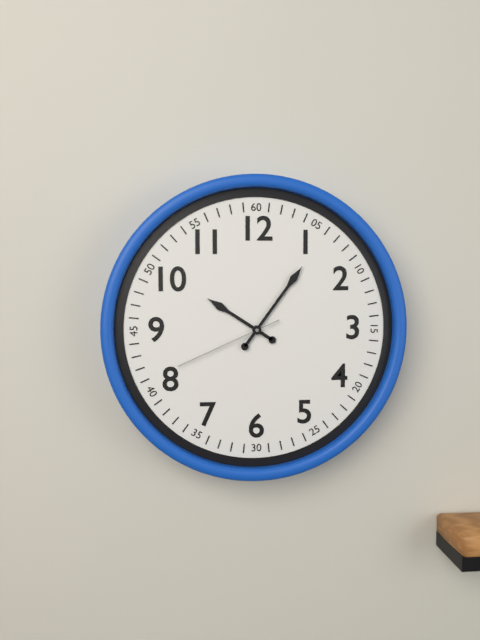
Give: 10:06:41
